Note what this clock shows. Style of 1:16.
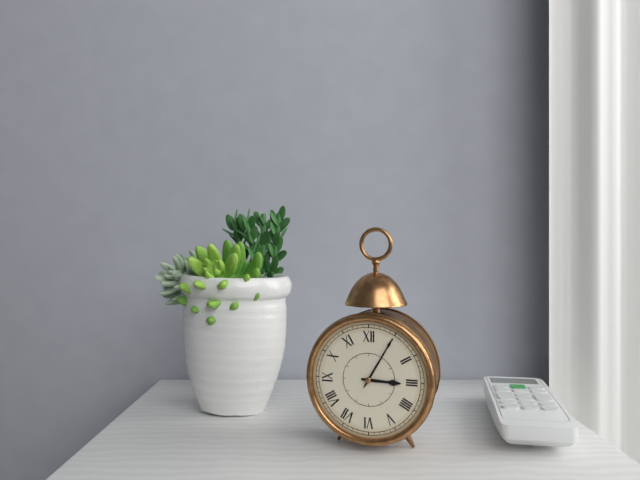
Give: 3:05
